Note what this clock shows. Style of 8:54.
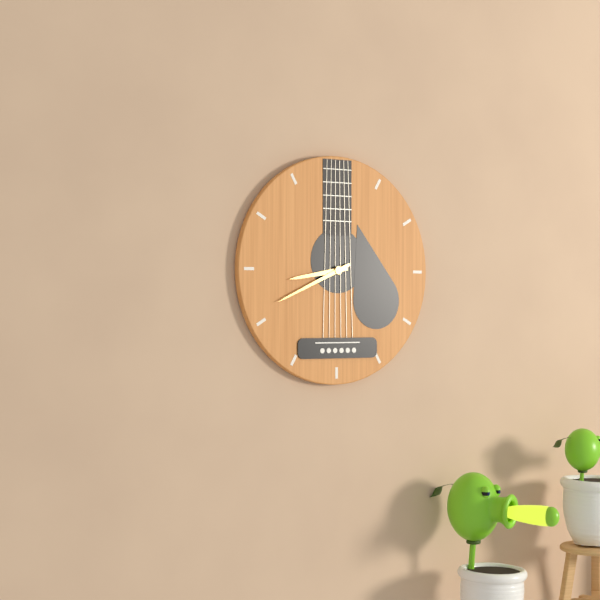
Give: 8:41
